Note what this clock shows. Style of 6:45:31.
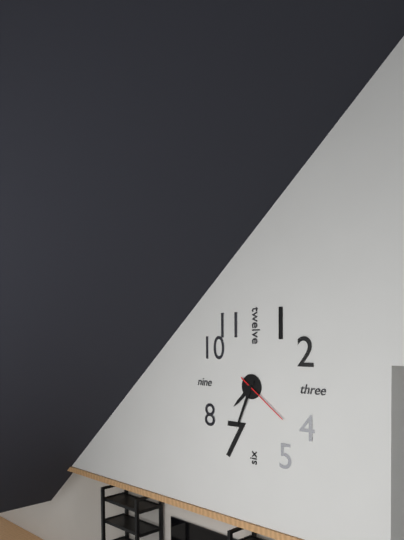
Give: 7:34:21
